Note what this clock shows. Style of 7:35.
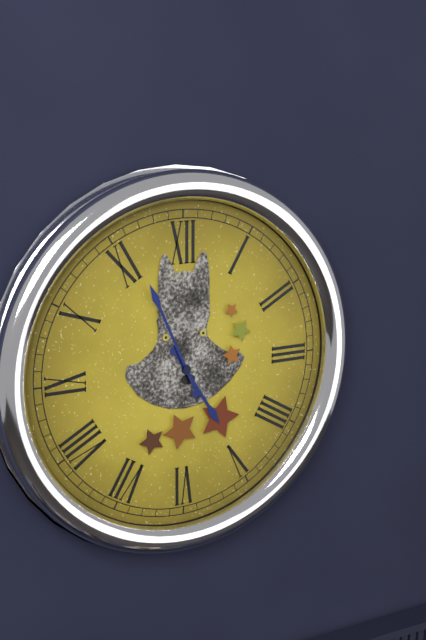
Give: 4:56
